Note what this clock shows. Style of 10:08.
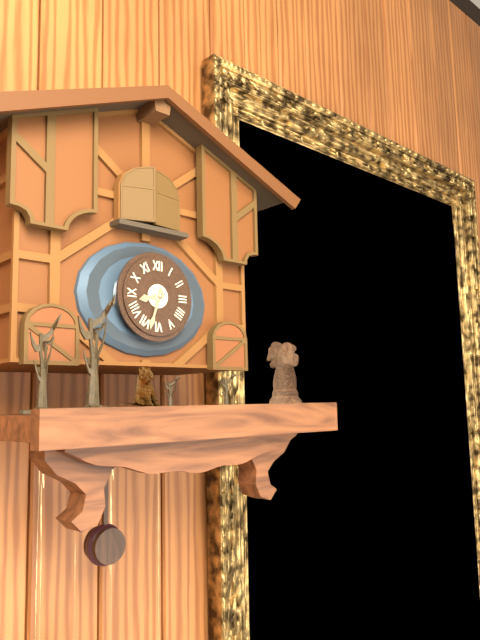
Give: 8:33
